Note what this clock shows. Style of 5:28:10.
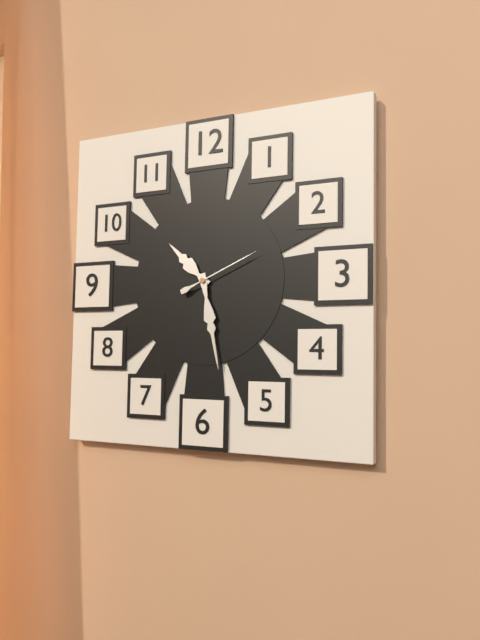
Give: 10:28:11
